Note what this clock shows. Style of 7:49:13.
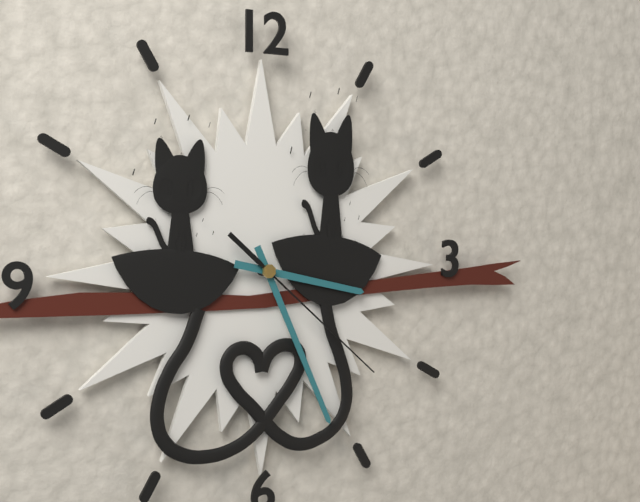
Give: 3:26:22
